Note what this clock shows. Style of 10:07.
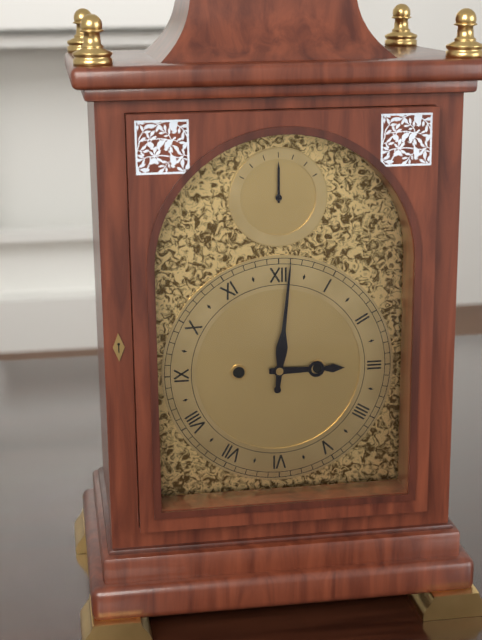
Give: 3:01
